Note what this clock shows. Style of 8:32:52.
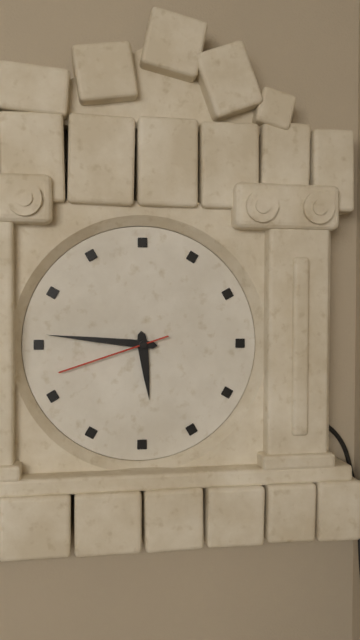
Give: 5:46:42
